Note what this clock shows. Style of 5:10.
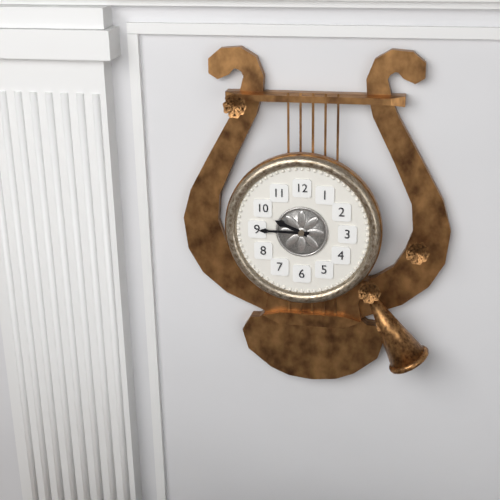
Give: 9:45
